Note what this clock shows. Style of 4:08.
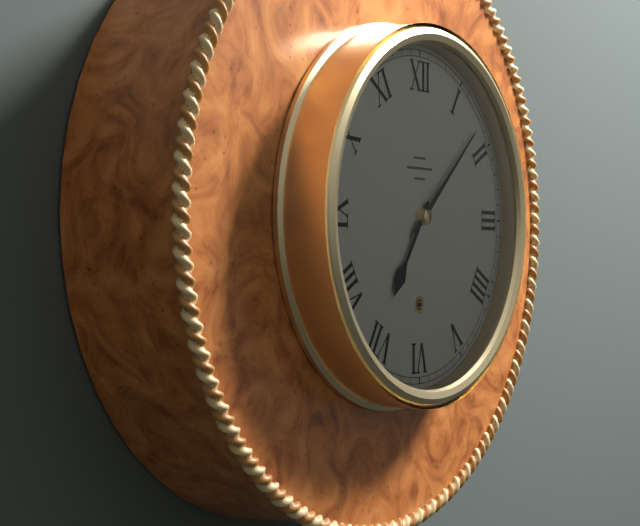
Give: 7:08
